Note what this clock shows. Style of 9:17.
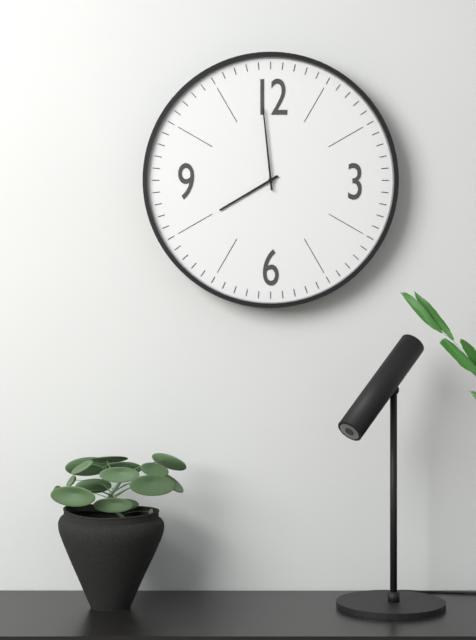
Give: 7:59
